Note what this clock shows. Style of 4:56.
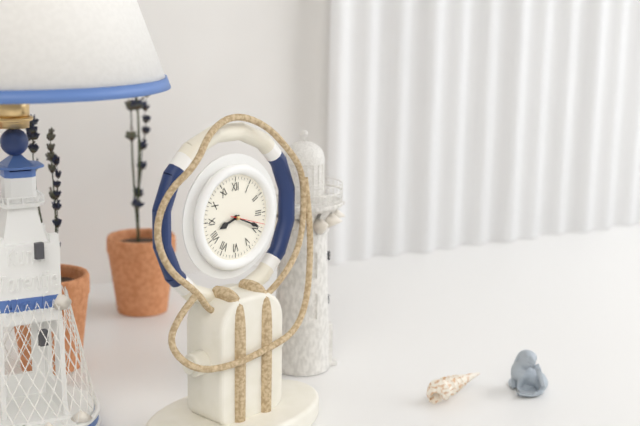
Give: 8:19
